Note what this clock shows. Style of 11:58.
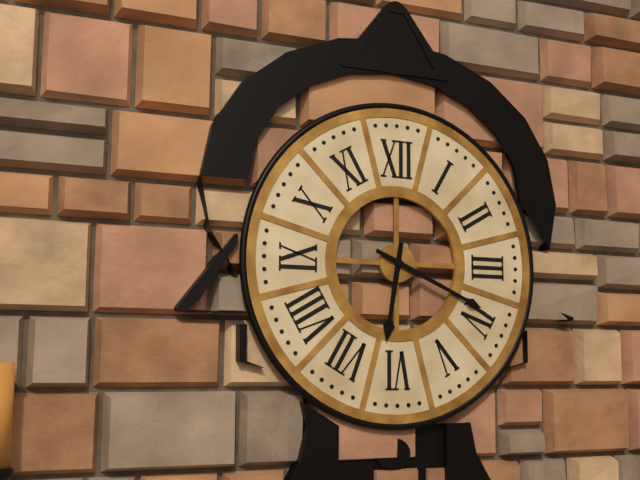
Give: 6:19
